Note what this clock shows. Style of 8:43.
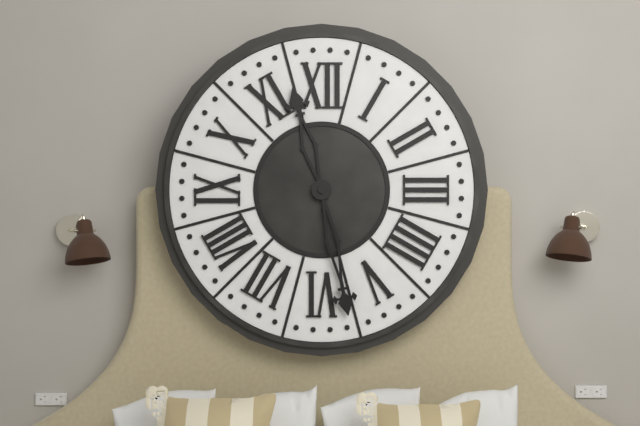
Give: 11:28
